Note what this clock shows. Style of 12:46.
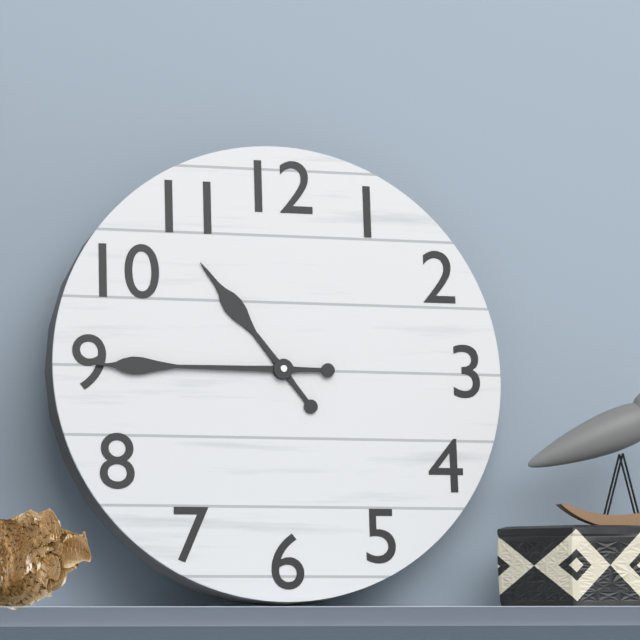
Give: 10:45
